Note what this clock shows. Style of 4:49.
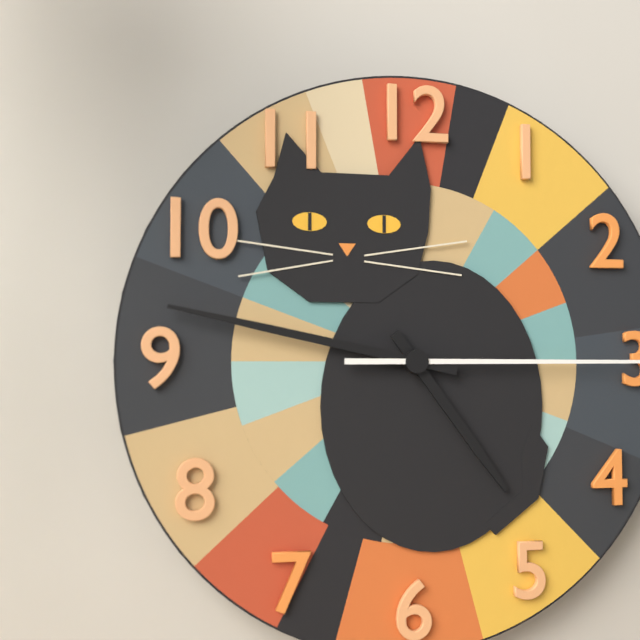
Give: 4:47
